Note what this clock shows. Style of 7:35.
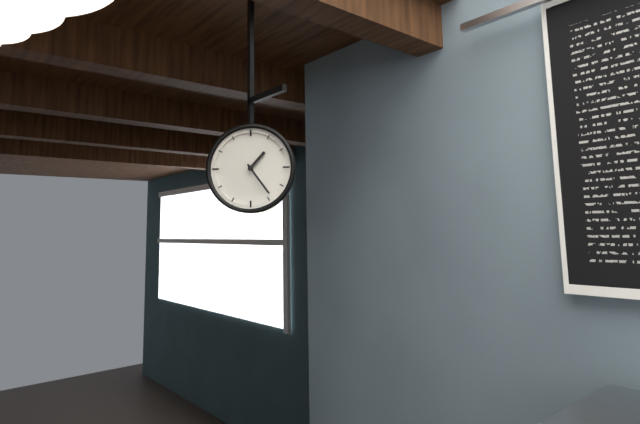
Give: 1:24
